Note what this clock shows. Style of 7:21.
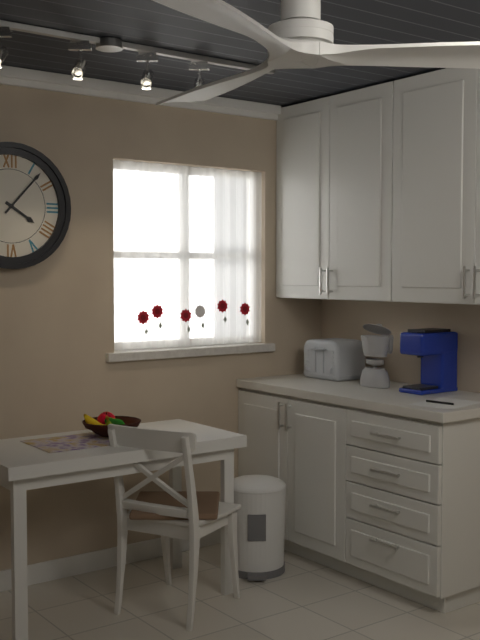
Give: 4:07
